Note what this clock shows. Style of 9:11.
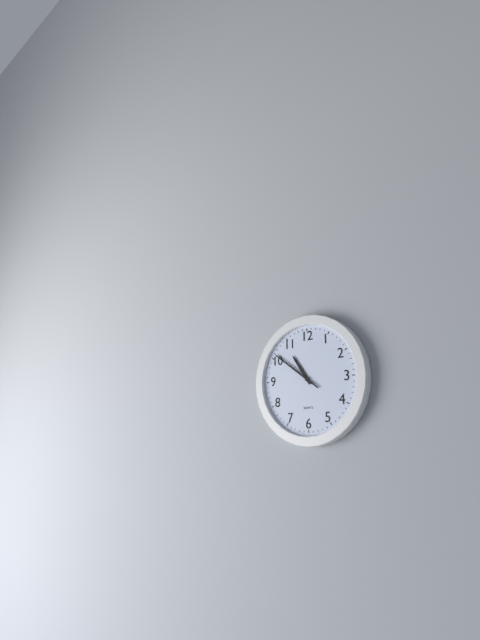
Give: 10:51
